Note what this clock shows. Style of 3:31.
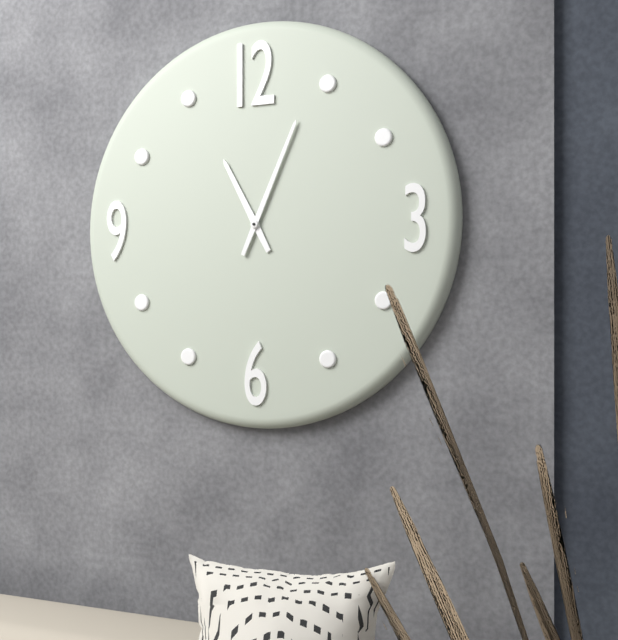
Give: 11:04
